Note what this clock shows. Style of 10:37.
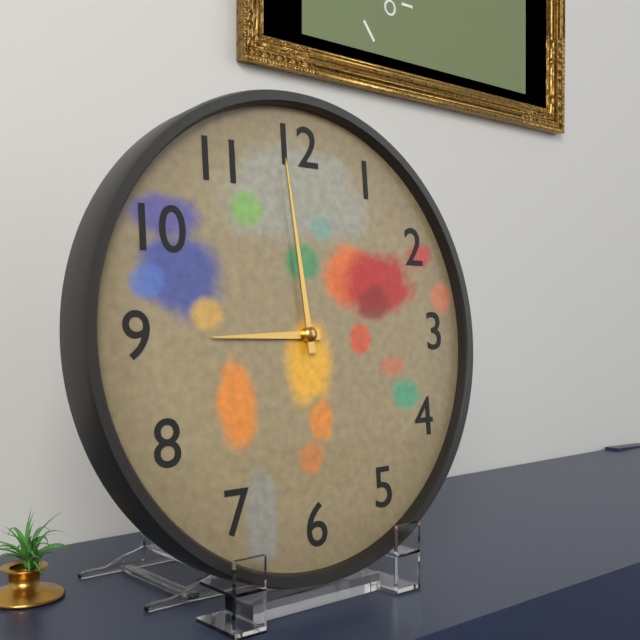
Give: 8:59
